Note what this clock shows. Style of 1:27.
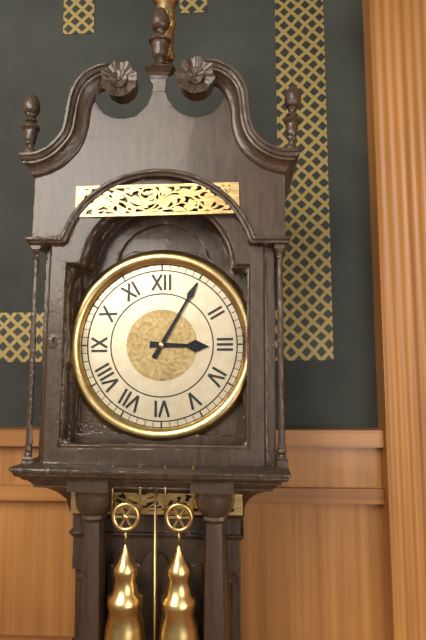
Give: 3:05
